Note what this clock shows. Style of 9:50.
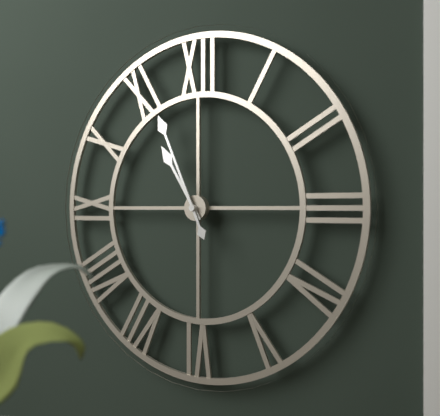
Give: 10:56
